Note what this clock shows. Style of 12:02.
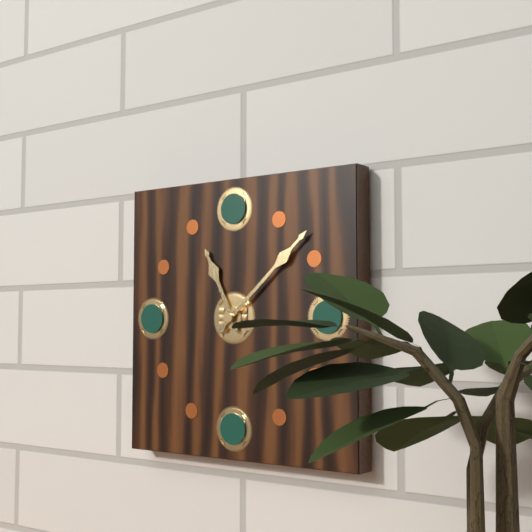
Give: 11:08
